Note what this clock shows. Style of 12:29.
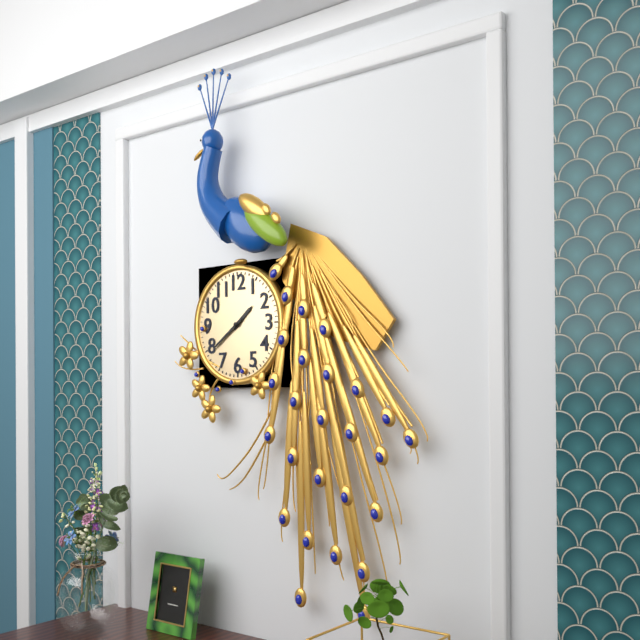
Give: 1:39
